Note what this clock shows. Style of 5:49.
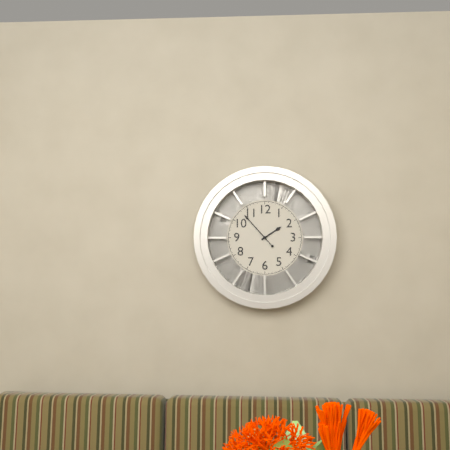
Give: 1:53
